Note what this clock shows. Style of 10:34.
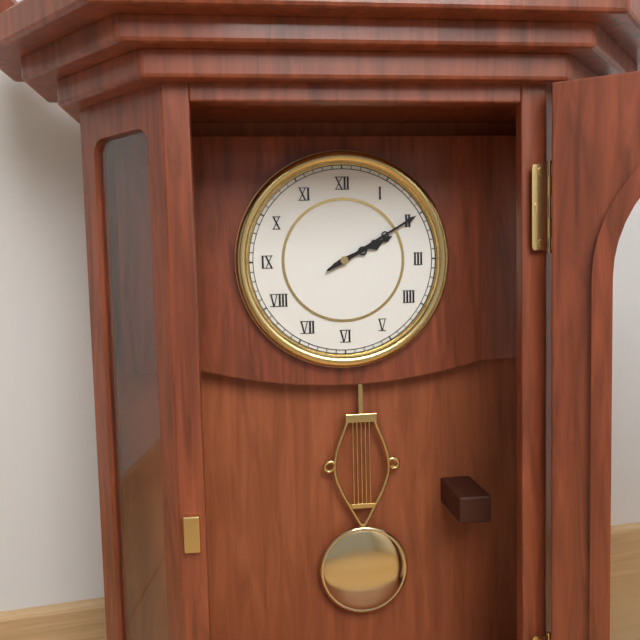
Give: 2:10
